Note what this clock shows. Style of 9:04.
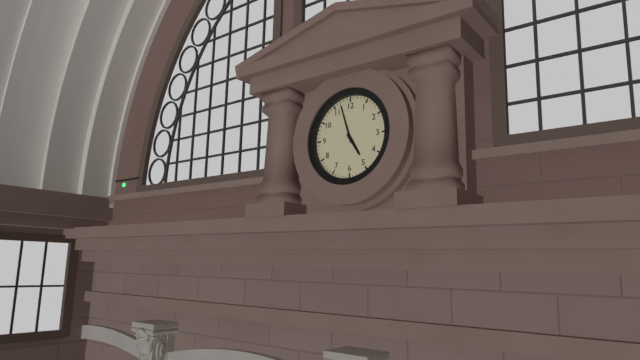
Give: 4:57
